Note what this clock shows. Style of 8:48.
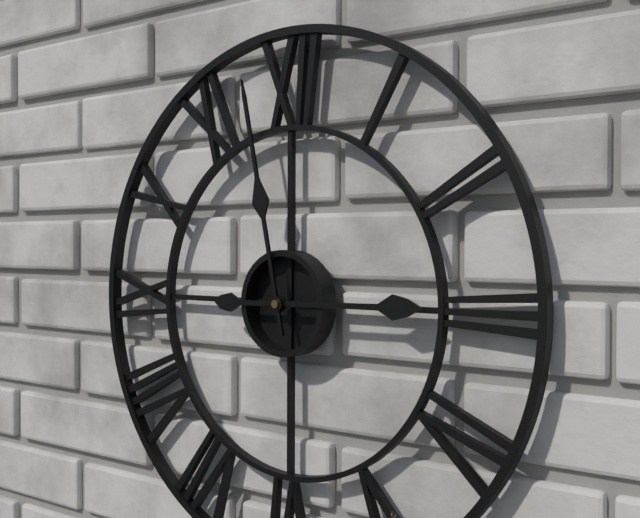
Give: 2:58
